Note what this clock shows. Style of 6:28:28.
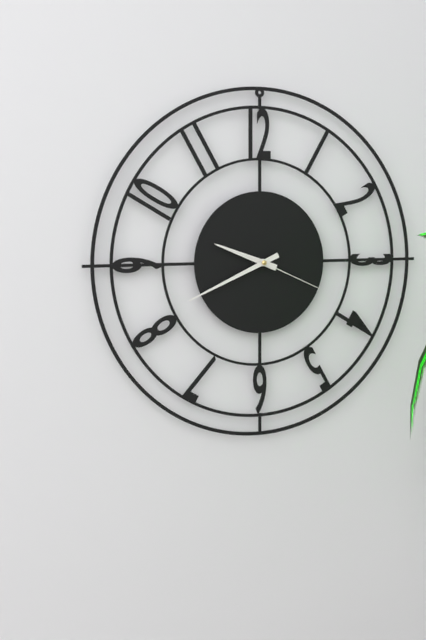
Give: 9:41:19
